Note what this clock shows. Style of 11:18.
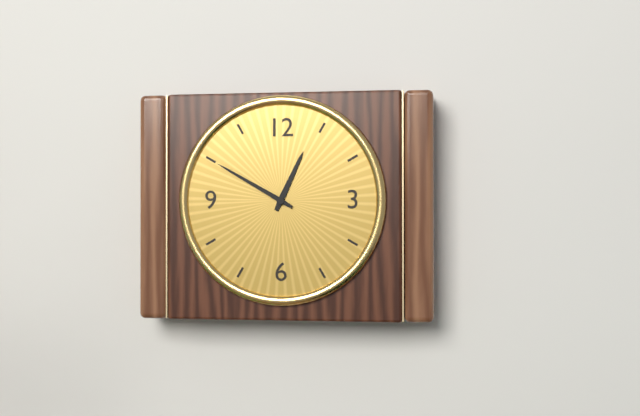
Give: 12:50
